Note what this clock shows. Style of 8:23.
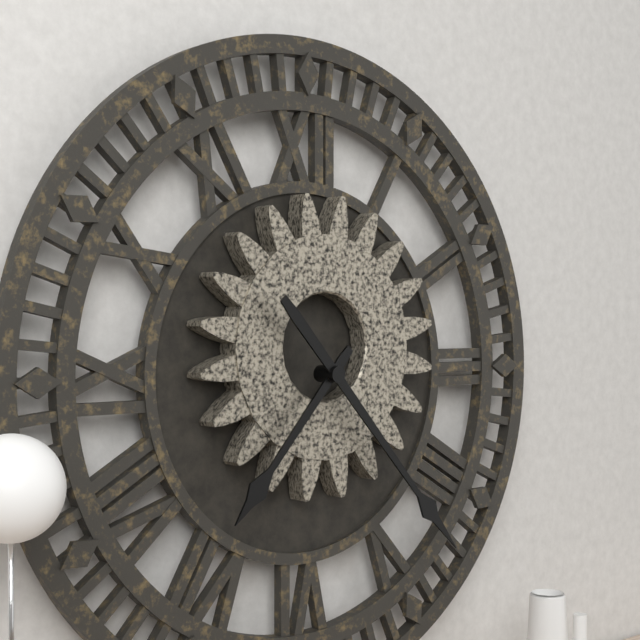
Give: 7:23
